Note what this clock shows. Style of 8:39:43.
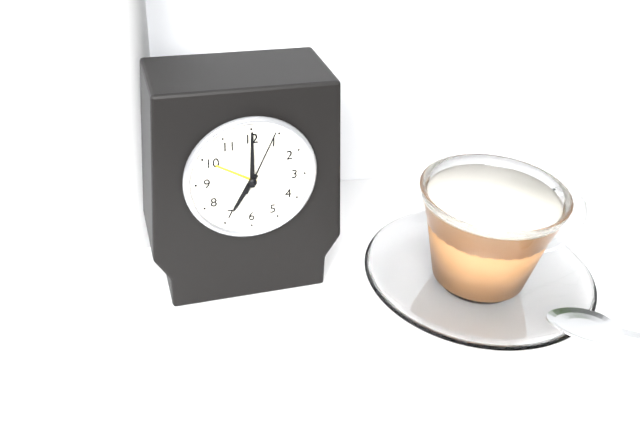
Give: 7:00:04
